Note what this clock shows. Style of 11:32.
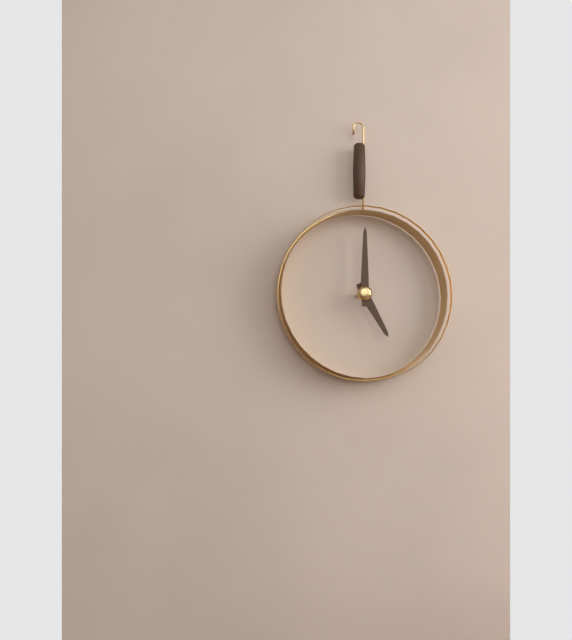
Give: 5:00
